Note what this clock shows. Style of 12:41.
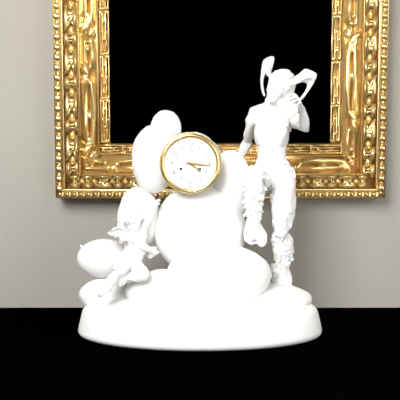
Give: 4:16
